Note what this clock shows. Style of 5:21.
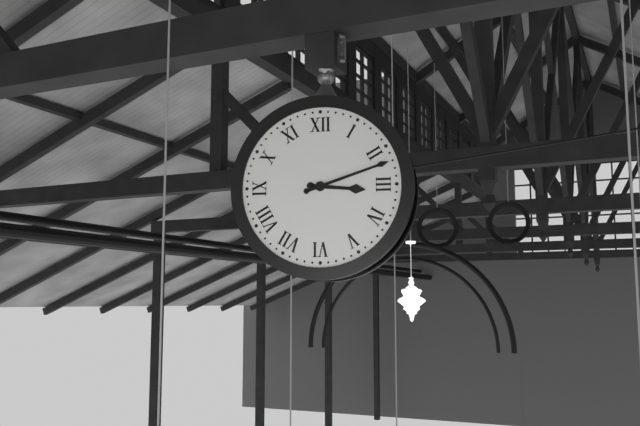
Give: 3:12
